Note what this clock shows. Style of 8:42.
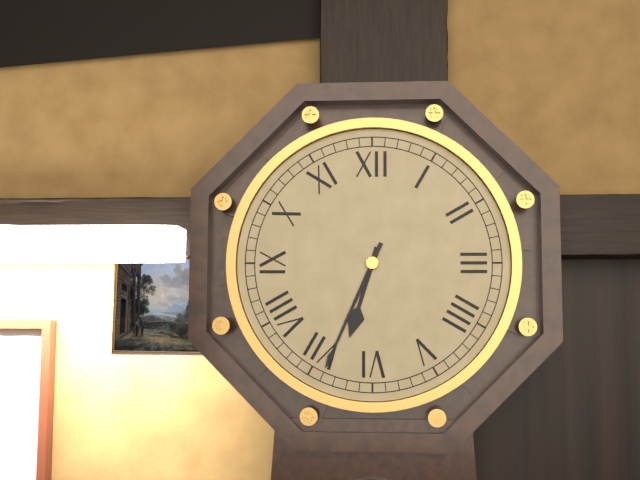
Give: 6:34
